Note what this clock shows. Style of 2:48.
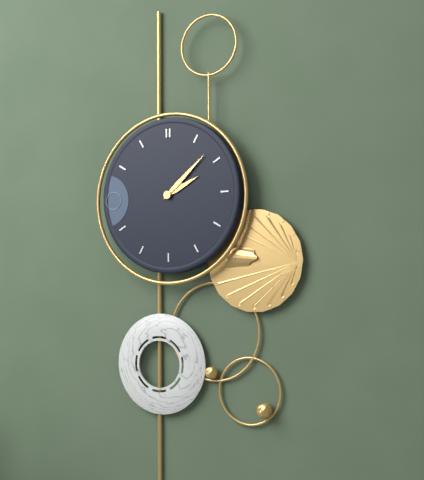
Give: 2:08
